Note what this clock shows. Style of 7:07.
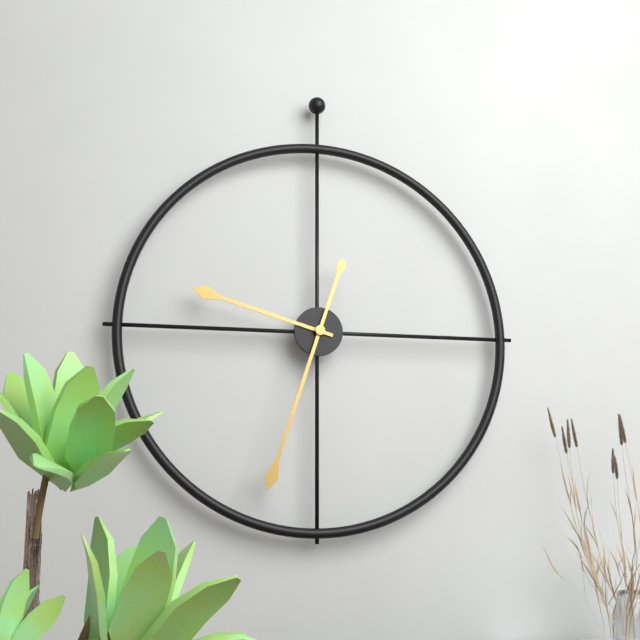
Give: 9:33
